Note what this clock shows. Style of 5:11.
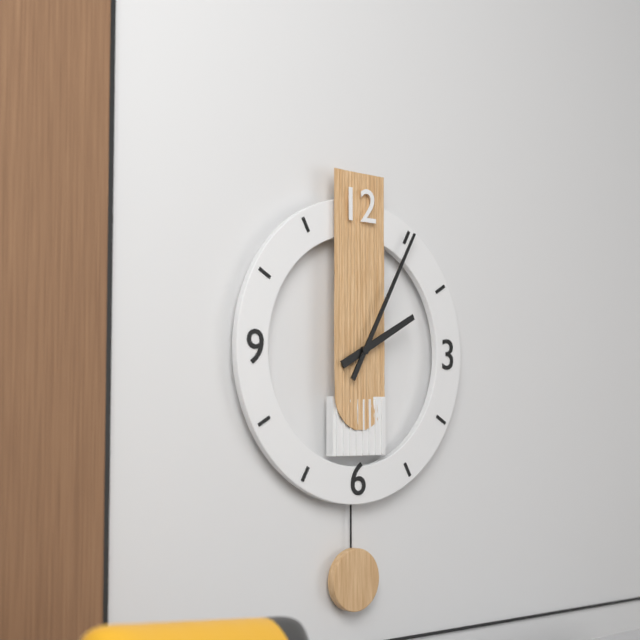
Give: 2:05
